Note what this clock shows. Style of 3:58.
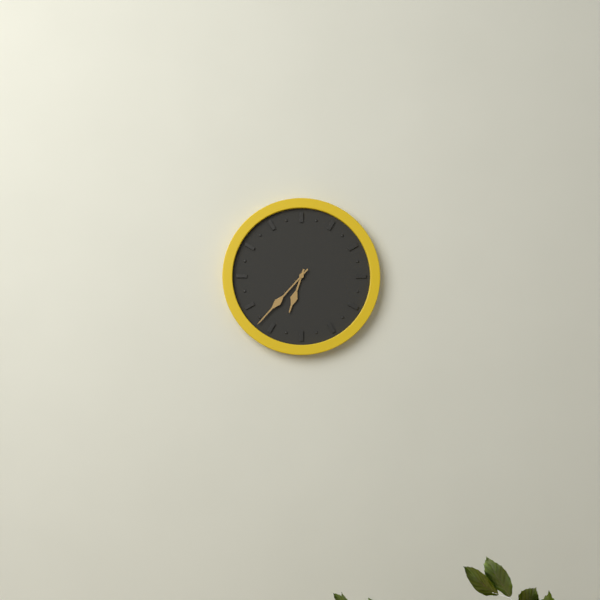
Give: 6:37
